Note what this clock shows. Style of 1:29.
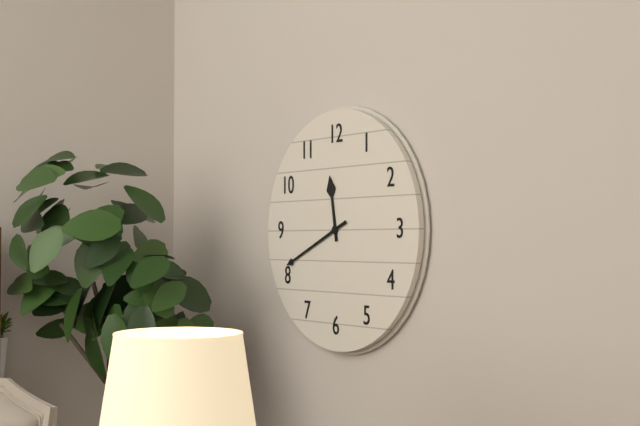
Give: 11:41
